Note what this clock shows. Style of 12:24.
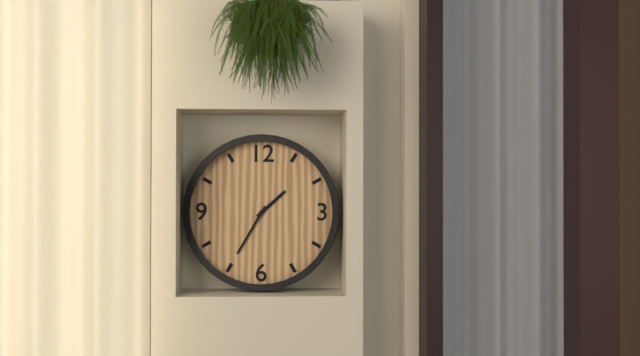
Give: 1:35
